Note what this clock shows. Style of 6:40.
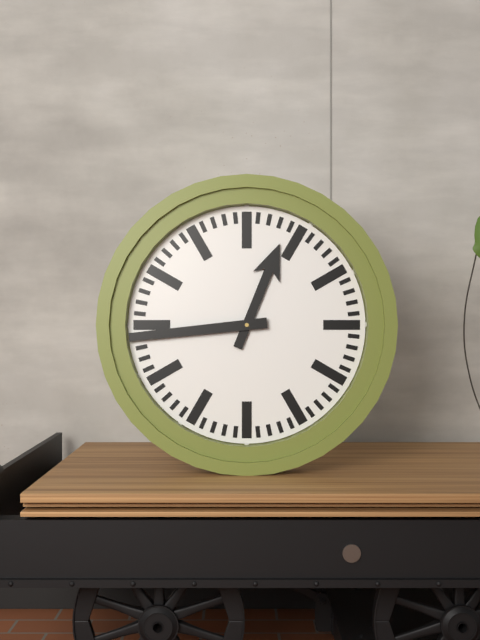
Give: 12:44
